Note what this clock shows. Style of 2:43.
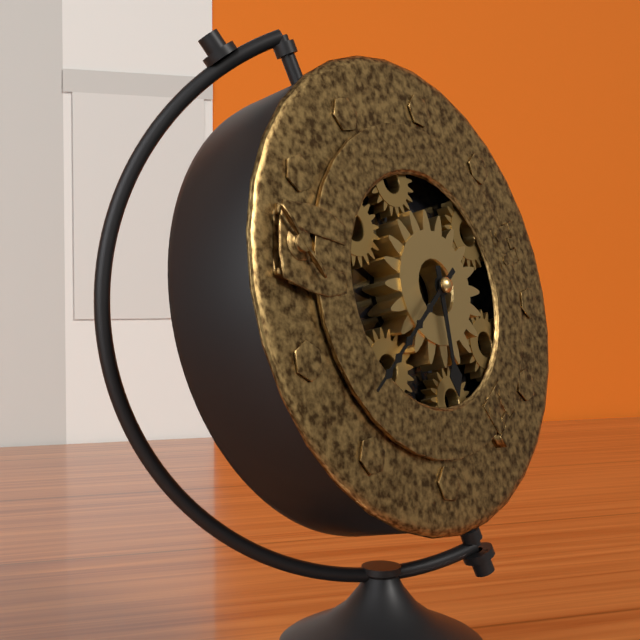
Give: 5:37
